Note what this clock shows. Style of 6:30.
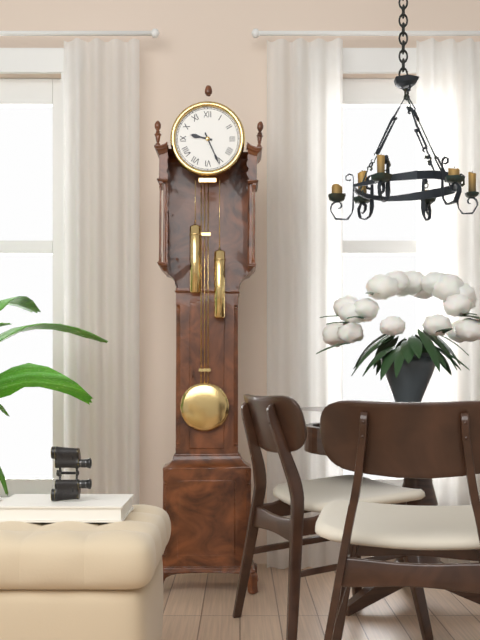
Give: 9:26
